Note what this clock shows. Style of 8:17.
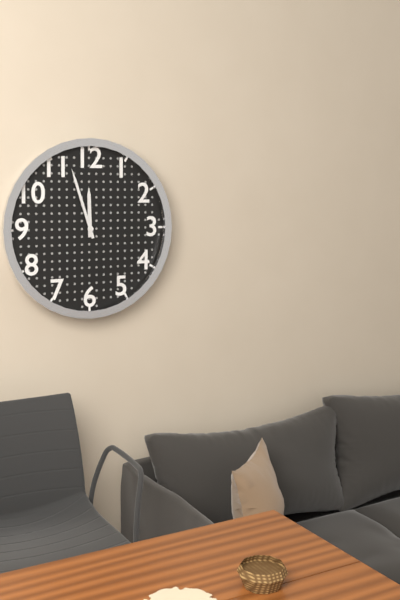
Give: 11:57
